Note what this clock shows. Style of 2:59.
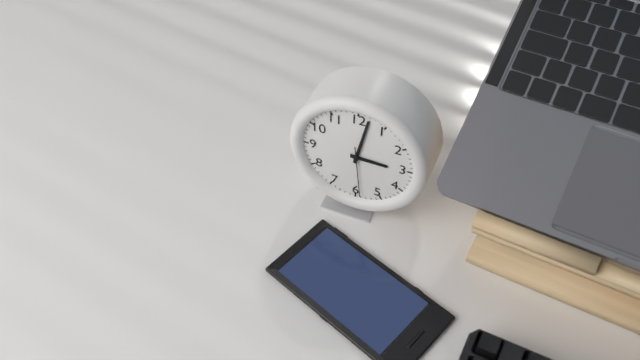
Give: 3:02
